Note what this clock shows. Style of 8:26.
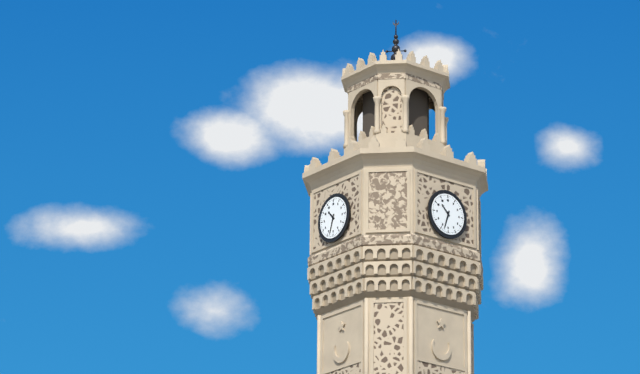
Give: 10:33
